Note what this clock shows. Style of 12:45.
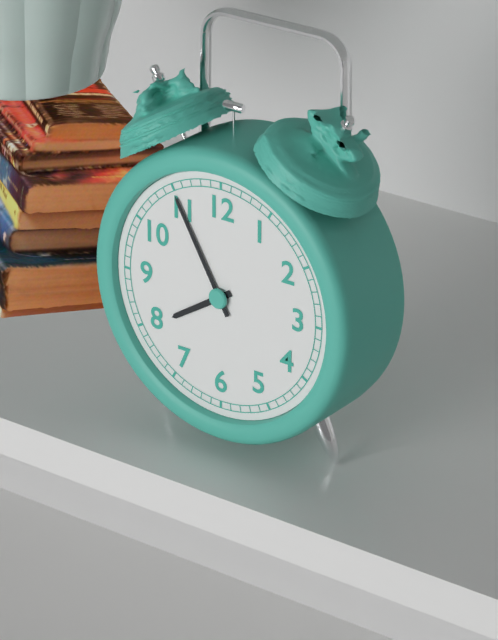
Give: 7:55
